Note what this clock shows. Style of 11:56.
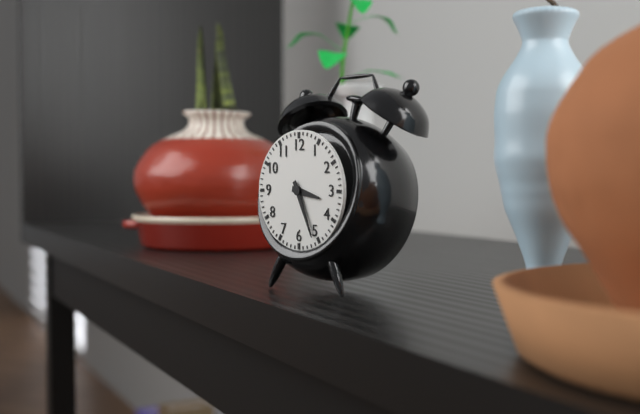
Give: 3:26
